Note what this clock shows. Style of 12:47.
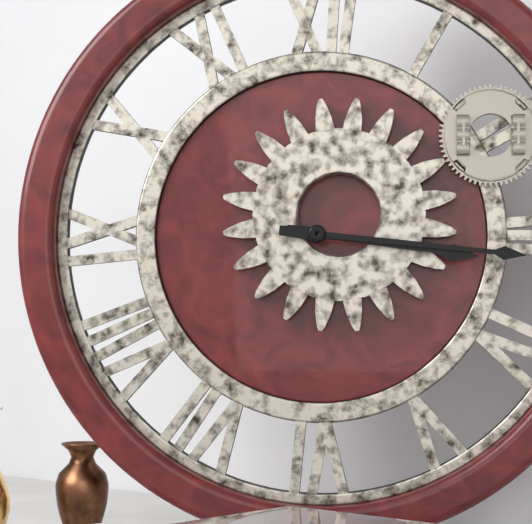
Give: 3:16
